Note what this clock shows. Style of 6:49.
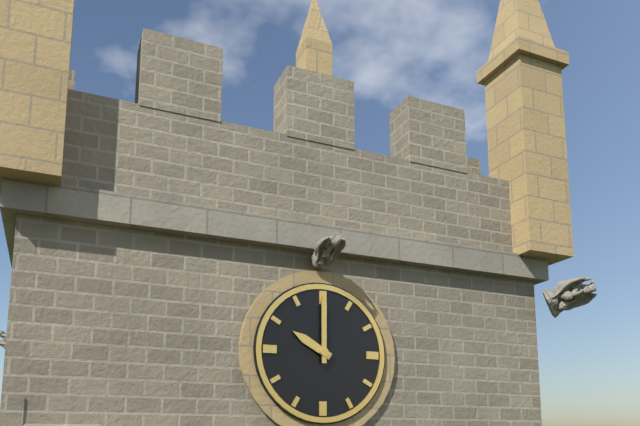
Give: 10:00
